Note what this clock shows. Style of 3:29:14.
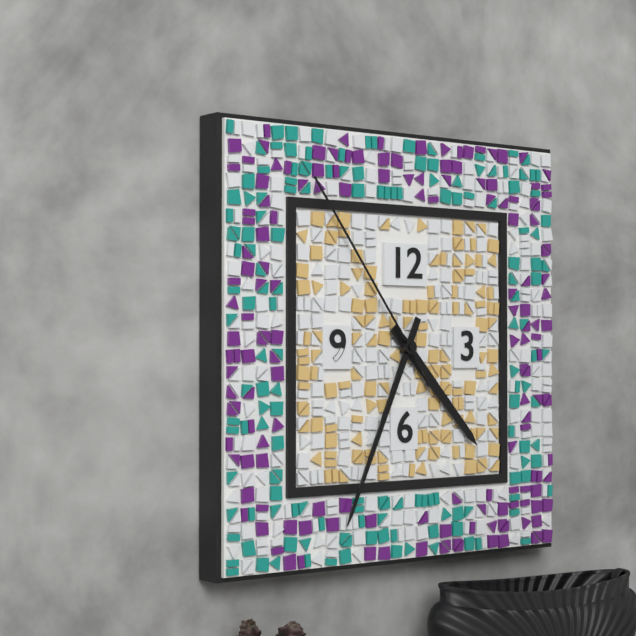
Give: 4:34:54
